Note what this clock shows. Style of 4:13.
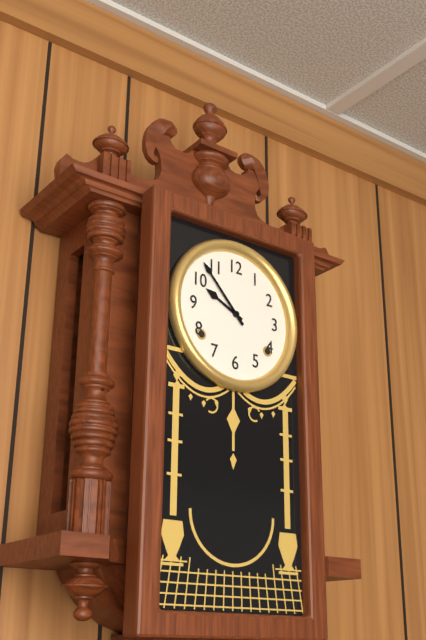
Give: 9:53
